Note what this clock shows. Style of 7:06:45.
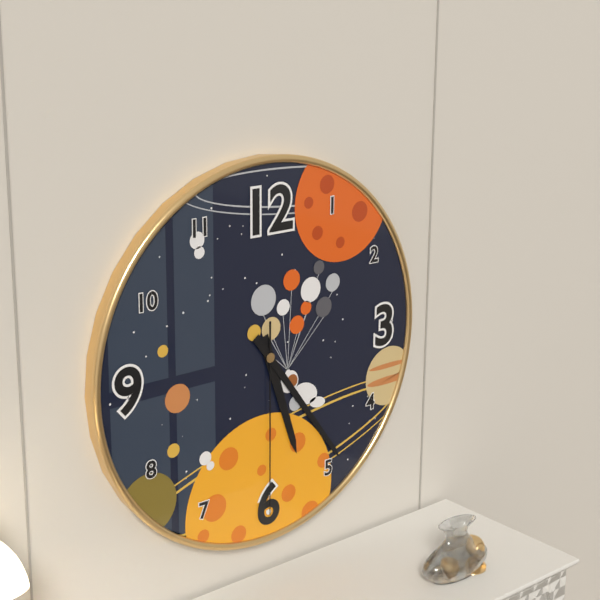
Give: 5:24:30
